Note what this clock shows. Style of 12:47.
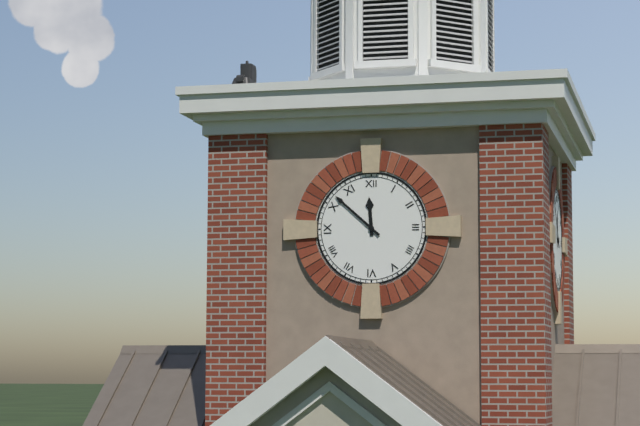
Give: 11:52
